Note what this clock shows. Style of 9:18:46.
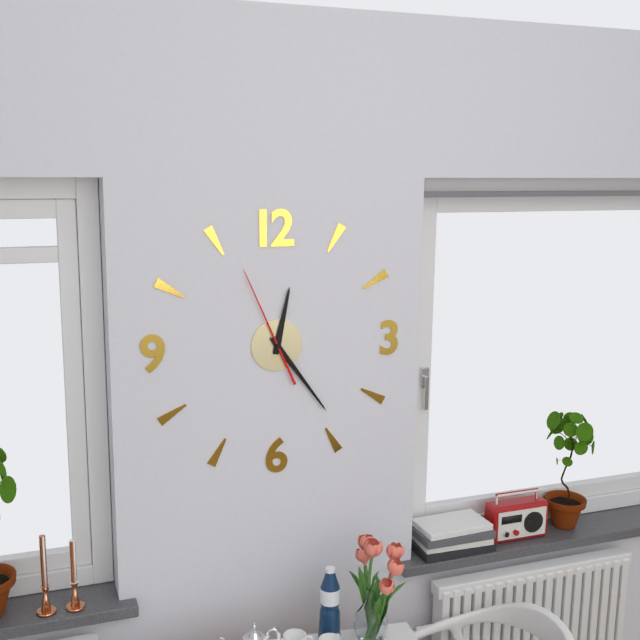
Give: 12:24:56
